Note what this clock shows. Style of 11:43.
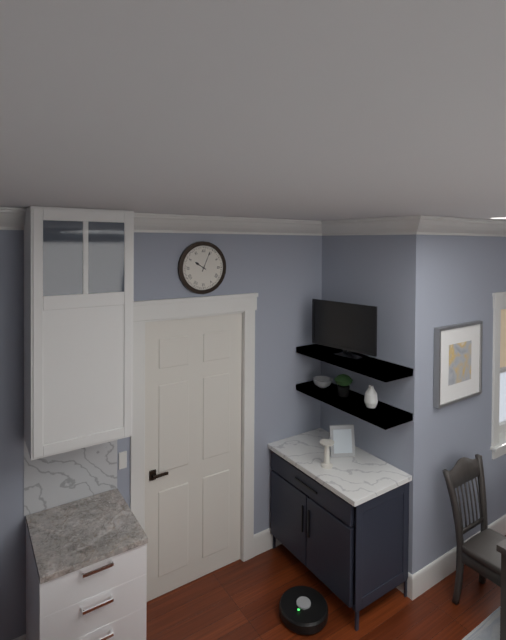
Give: 10:04
